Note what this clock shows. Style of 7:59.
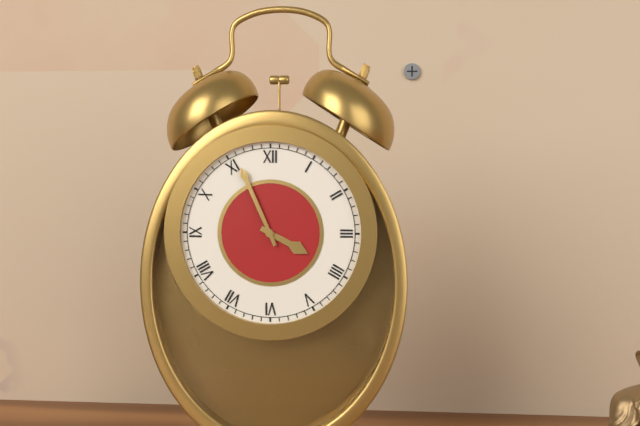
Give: 3:56
